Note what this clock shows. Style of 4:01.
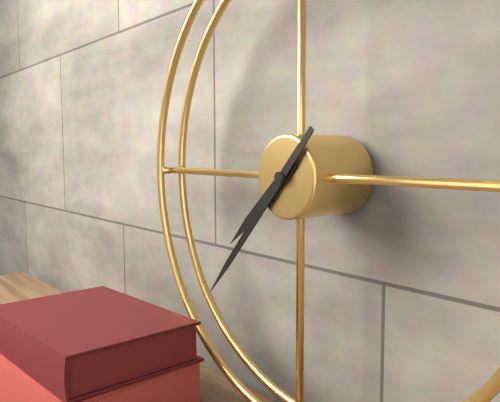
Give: 7:37
